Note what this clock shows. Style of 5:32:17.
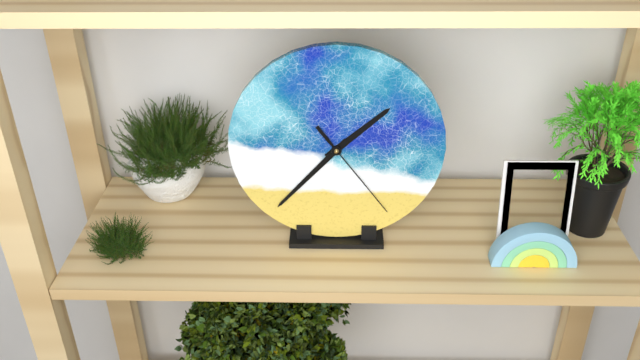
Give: 1:37:24
